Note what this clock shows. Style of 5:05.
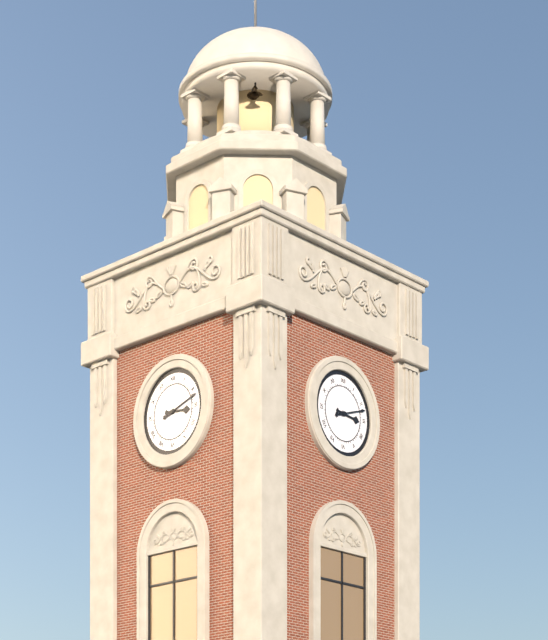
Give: 3:12
